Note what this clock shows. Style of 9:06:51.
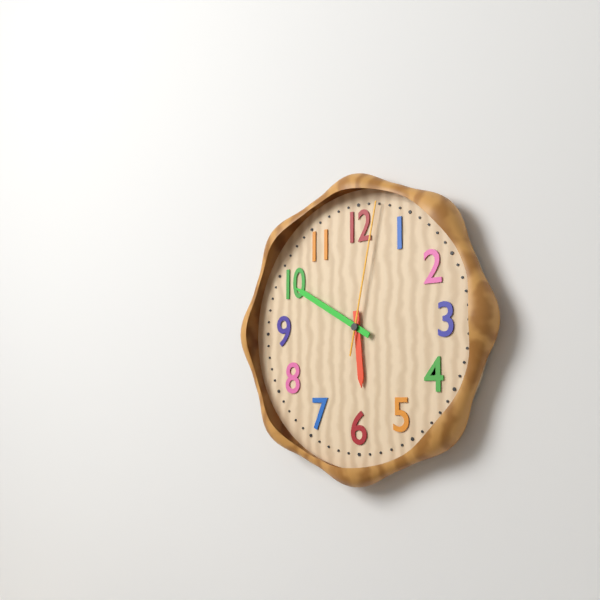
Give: 5:50:02
